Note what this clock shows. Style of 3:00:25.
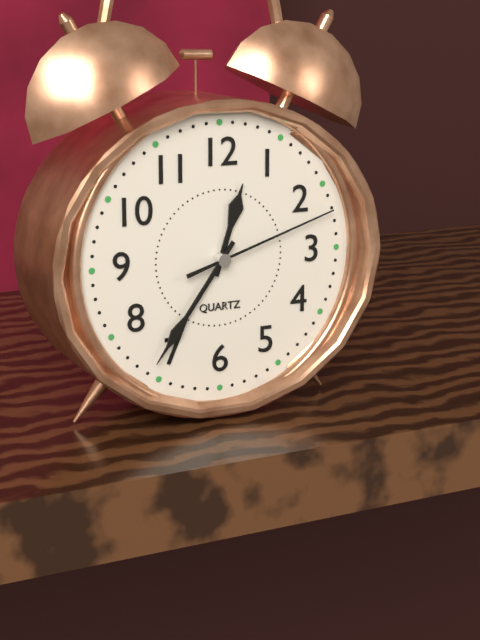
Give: 12:36:12
